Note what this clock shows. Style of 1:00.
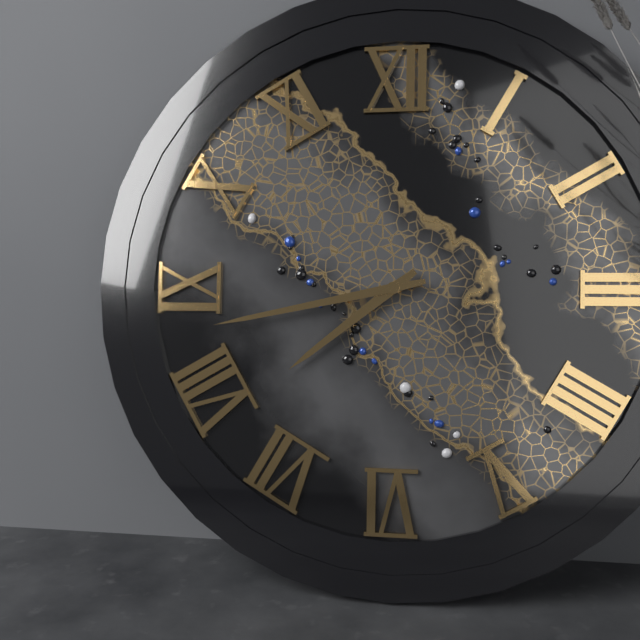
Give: 7:43
